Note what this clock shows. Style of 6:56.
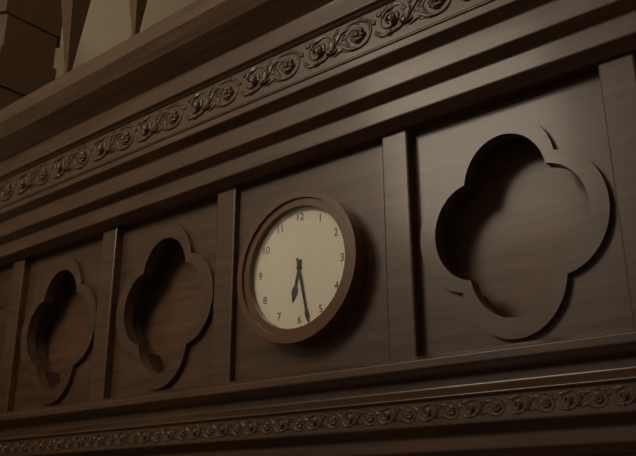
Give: 6:28
